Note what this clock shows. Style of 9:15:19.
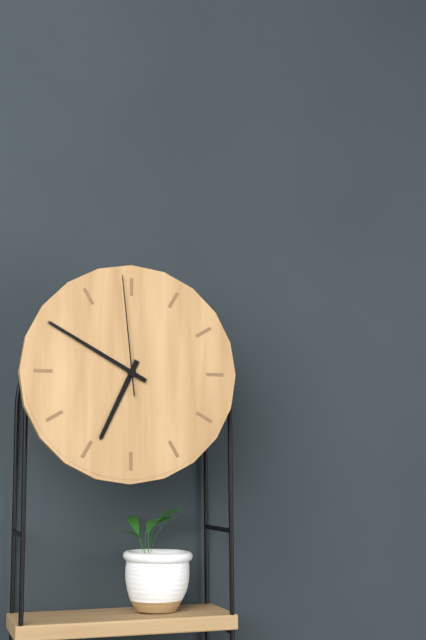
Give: 6:50:59
